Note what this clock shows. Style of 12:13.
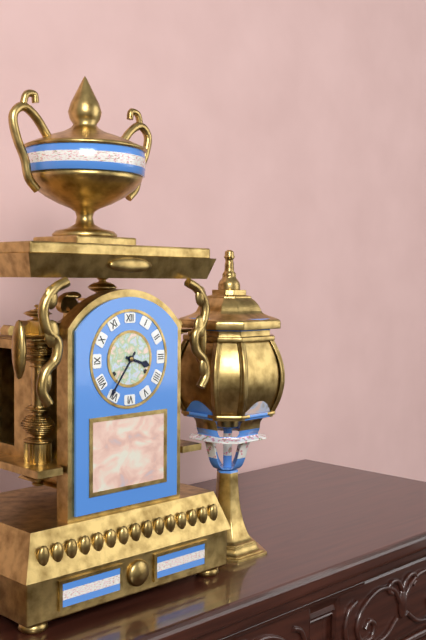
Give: 3:36
